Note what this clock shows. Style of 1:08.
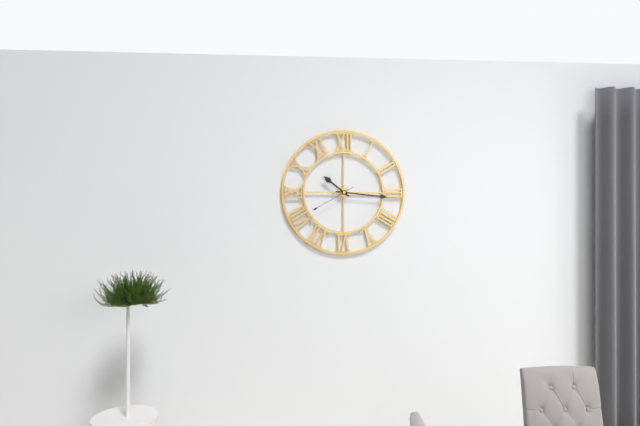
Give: 10:16
